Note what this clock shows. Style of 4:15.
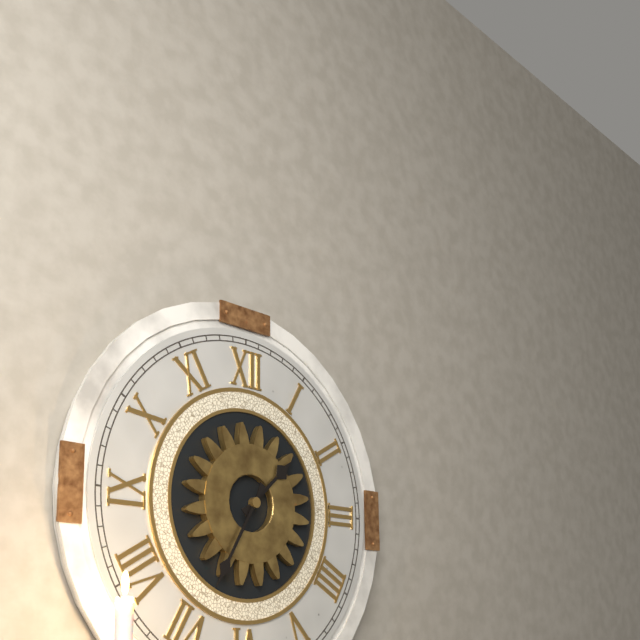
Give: 1:35
